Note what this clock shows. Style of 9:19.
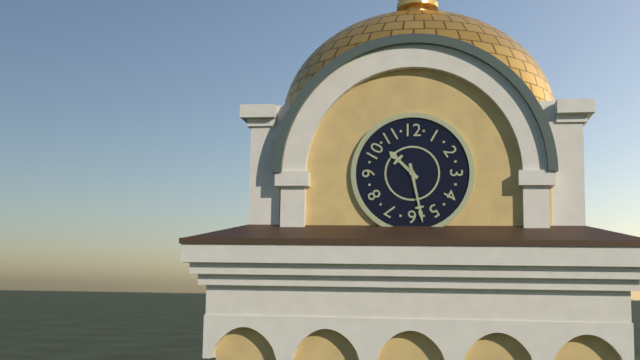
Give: 10:28
